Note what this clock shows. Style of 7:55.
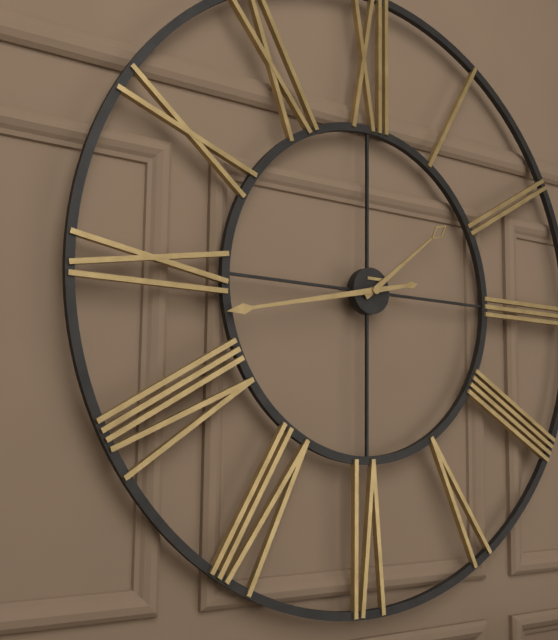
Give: 1:43
